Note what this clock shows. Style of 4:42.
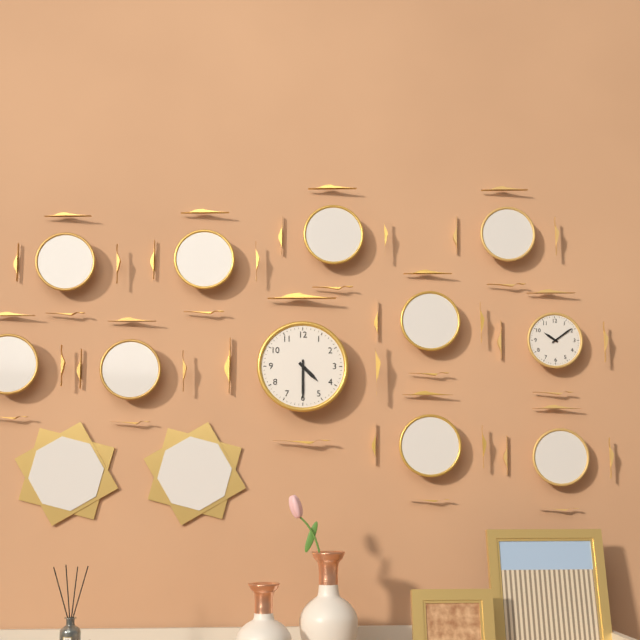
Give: 4:30
